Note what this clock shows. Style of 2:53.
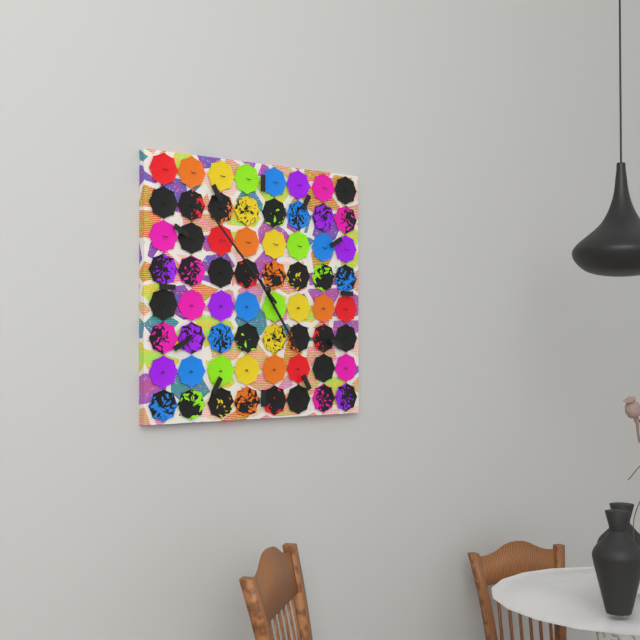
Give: 4:53
